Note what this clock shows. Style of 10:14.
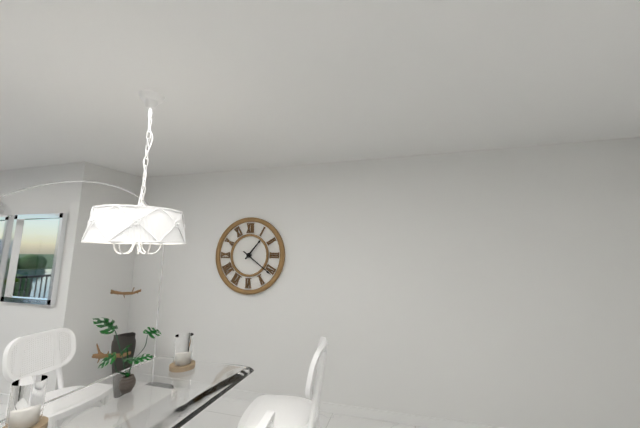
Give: 1:21
